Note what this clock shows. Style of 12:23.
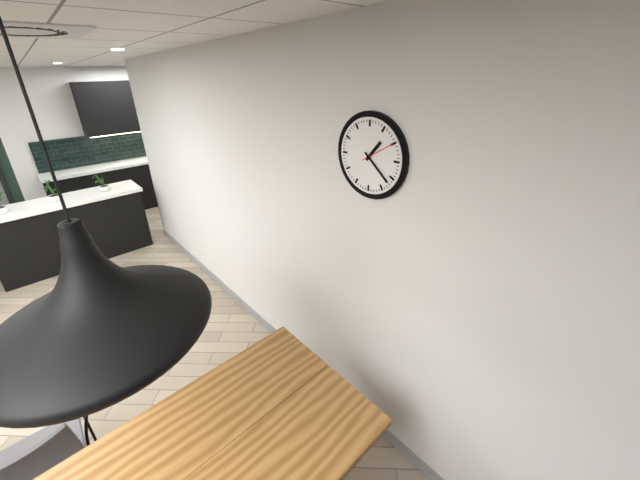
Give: 1:22
